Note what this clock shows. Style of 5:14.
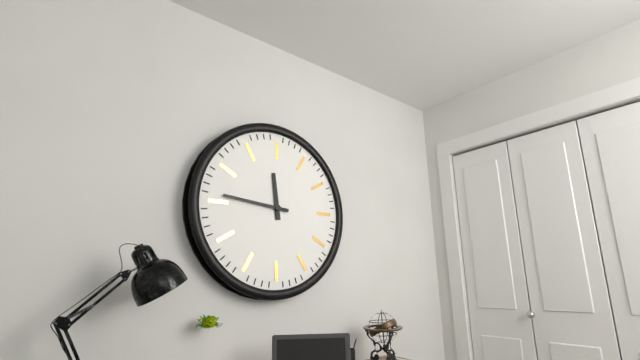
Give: 11:46
